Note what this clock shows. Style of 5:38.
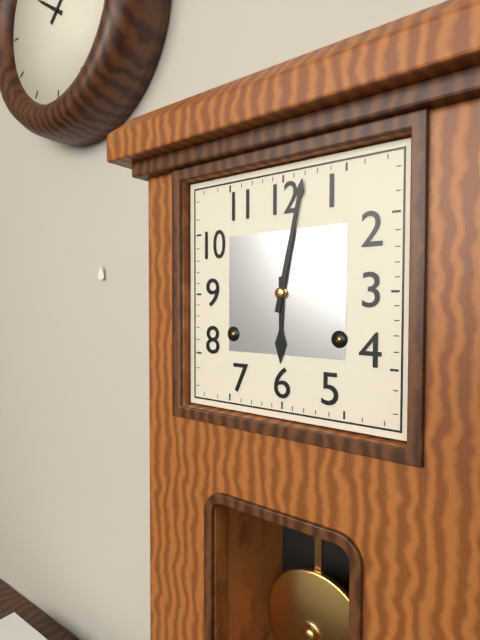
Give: 6:02
